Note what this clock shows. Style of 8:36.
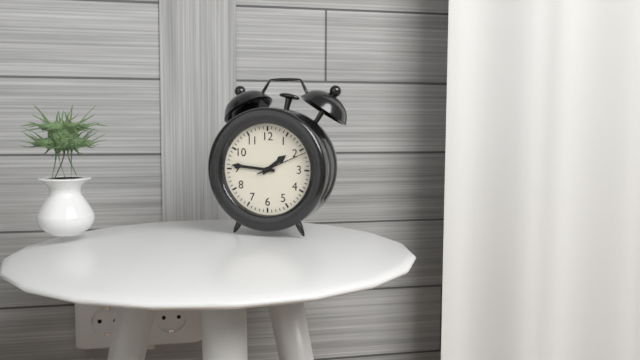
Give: 1:46
